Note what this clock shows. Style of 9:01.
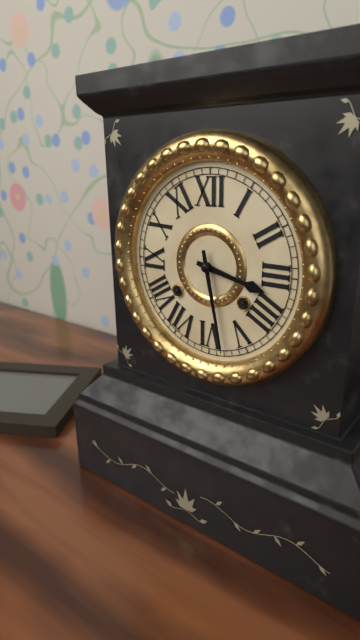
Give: 3:28
